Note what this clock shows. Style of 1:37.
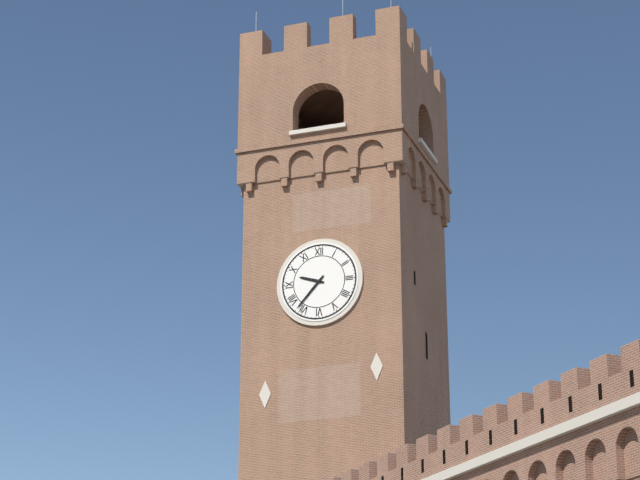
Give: 9:37
